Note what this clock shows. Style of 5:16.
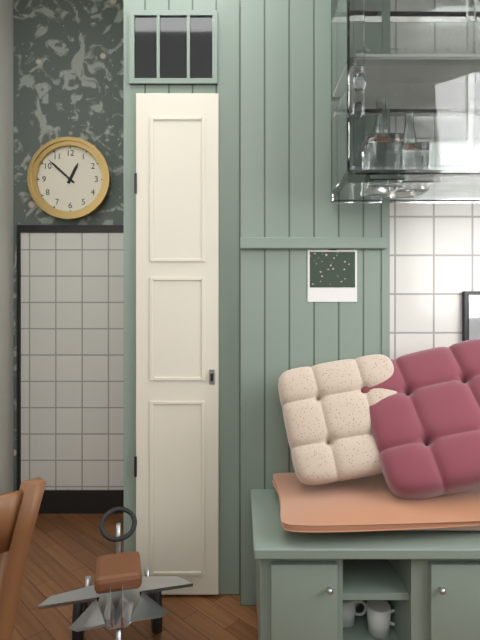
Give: 12:52
